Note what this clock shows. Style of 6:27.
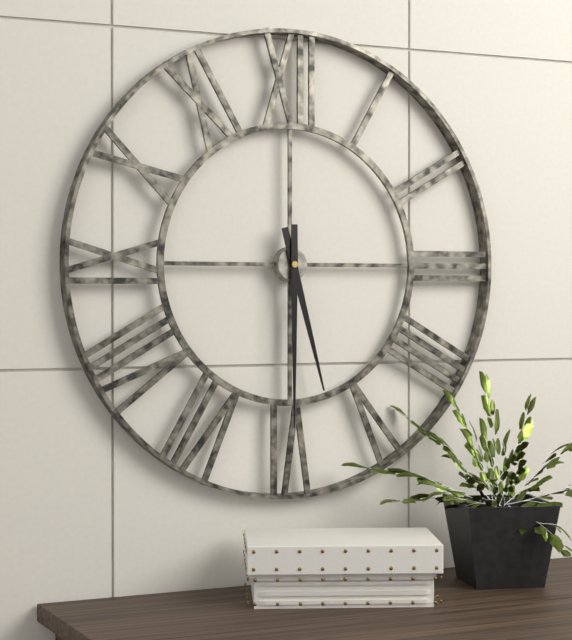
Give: 5:30
